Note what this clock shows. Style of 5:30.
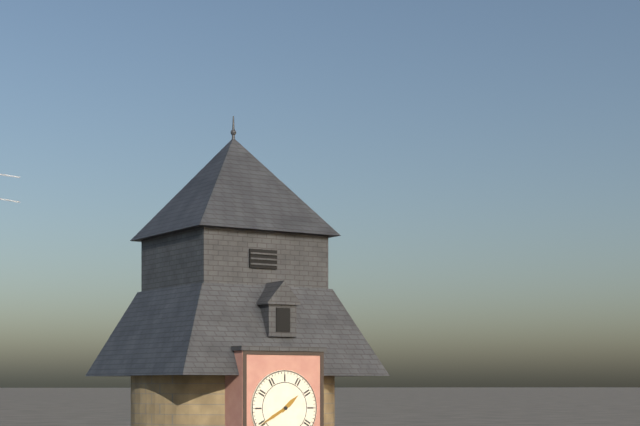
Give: 1:40
